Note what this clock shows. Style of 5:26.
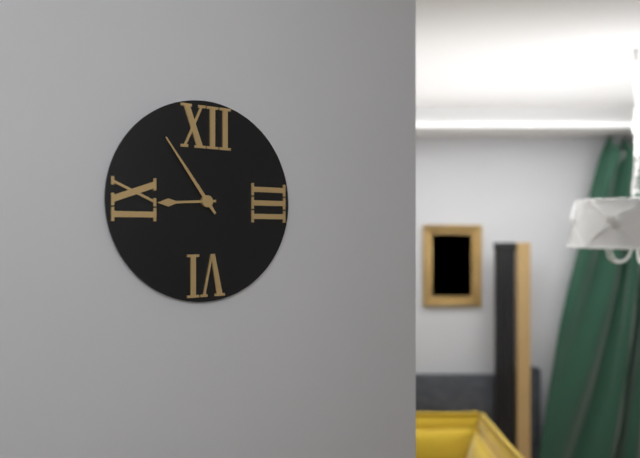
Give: 8:54
